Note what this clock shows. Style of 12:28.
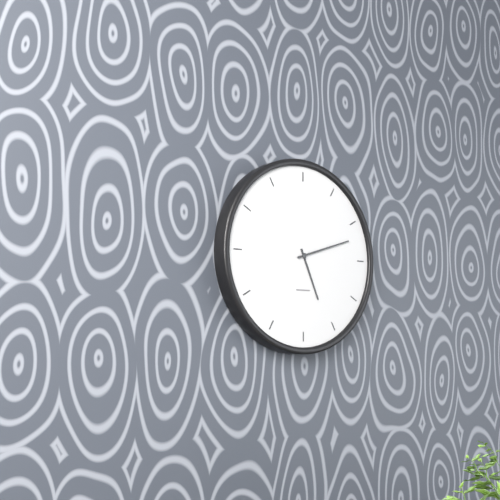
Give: 5:12
